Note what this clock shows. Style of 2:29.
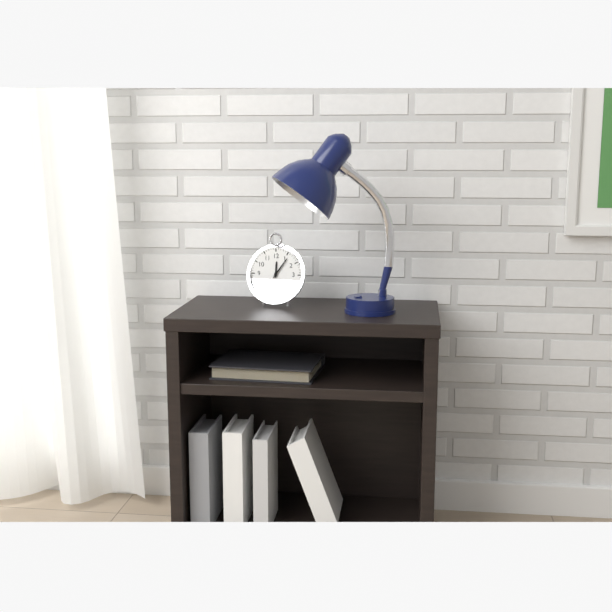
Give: 12:06
